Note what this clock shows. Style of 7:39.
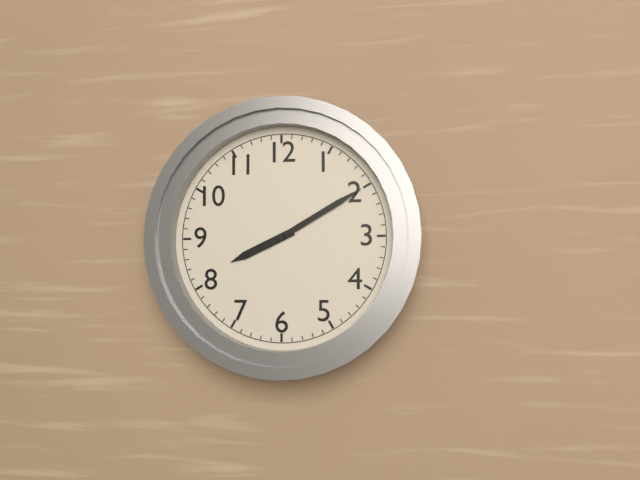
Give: 8:10
